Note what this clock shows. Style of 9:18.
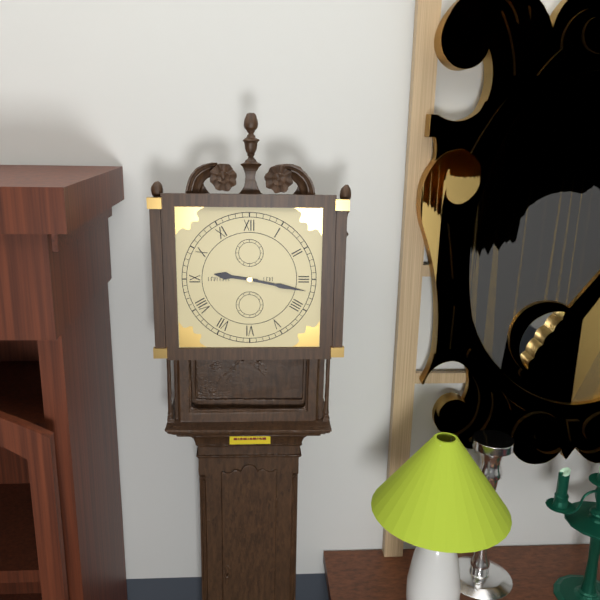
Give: 9:17
